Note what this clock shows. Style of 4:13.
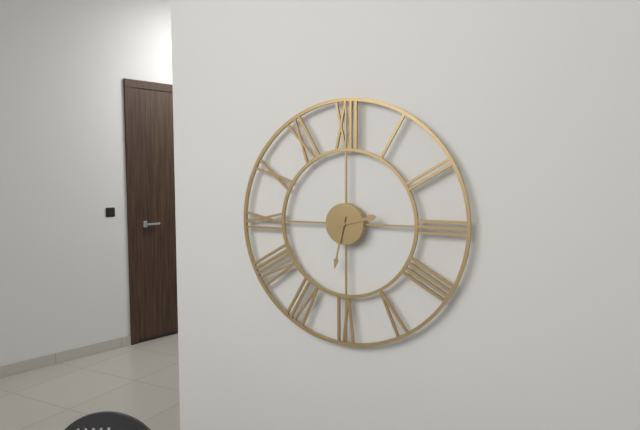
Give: 2:32
